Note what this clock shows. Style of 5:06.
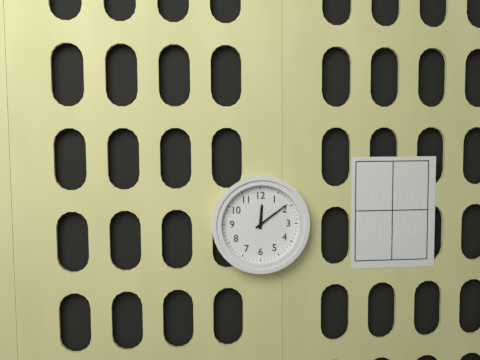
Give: 12:09
